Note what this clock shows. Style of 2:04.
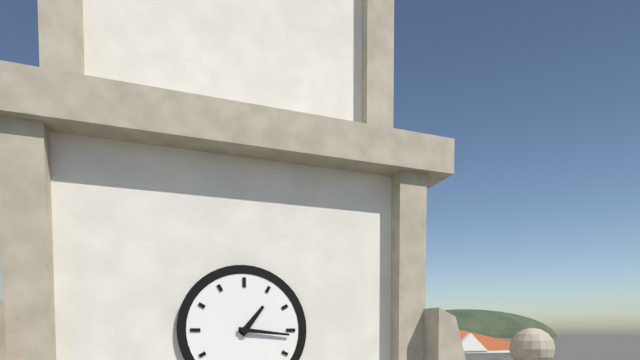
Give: 1:16
